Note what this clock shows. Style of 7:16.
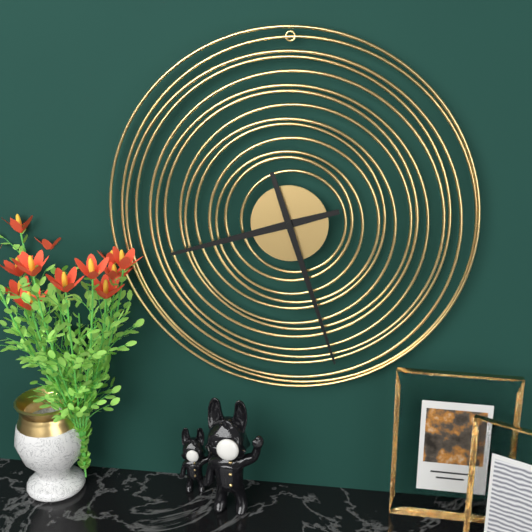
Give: 8:27
